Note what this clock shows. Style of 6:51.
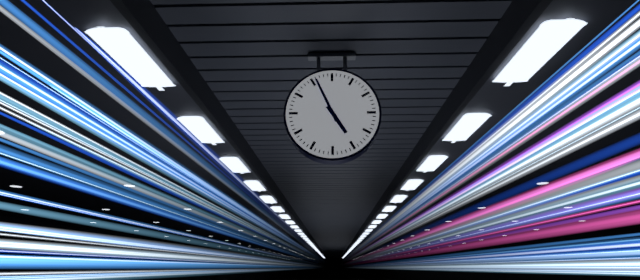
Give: 4:56
